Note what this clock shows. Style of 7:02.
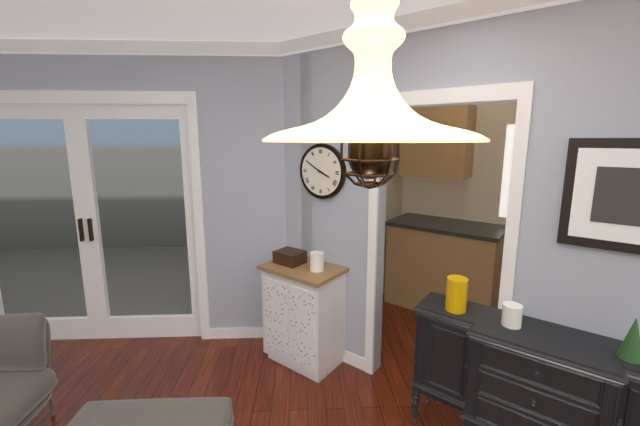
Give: 3:50
